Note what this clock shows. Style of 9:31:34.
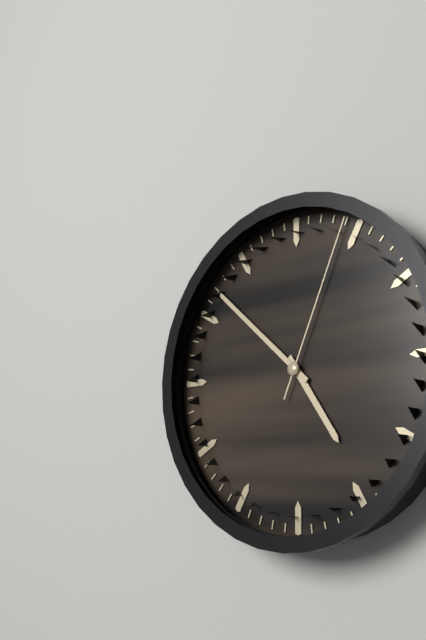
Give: 4:52:04
